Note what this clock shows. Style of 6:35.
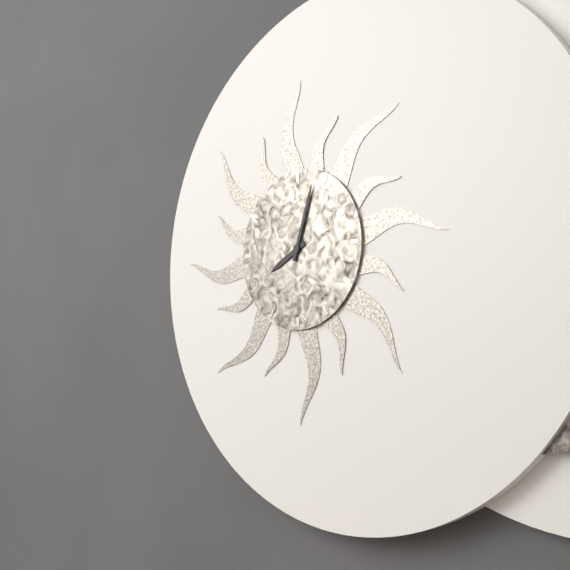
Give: 8:03
